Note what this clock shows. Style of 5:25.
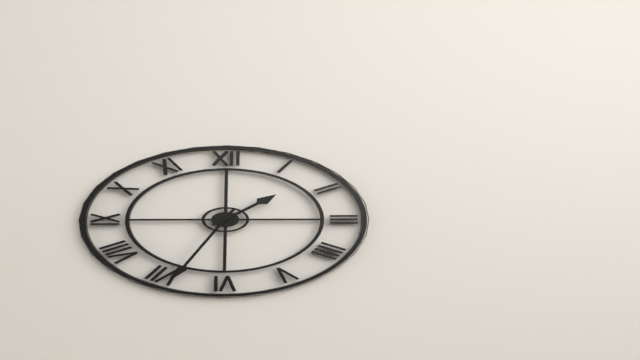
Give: 1:34
